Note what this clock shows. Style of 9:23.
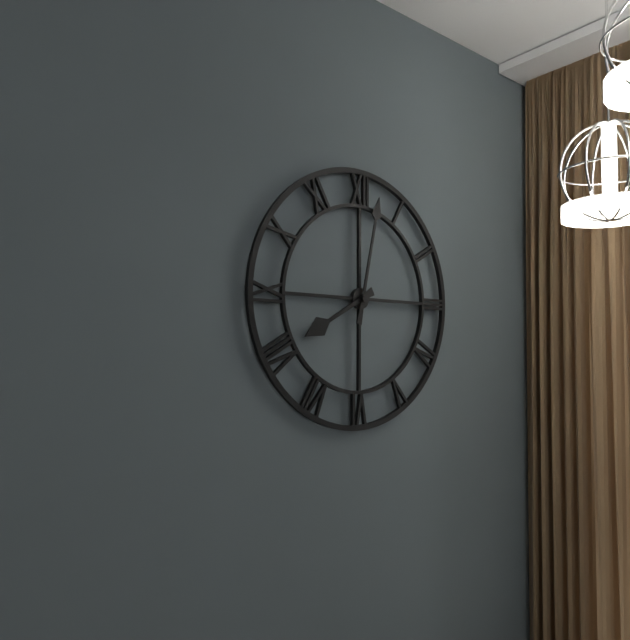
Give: 8:02
